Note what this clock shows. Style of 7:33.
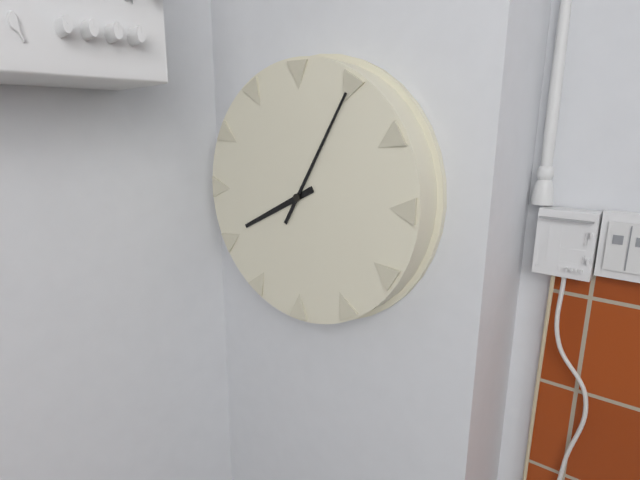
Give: 8:05
